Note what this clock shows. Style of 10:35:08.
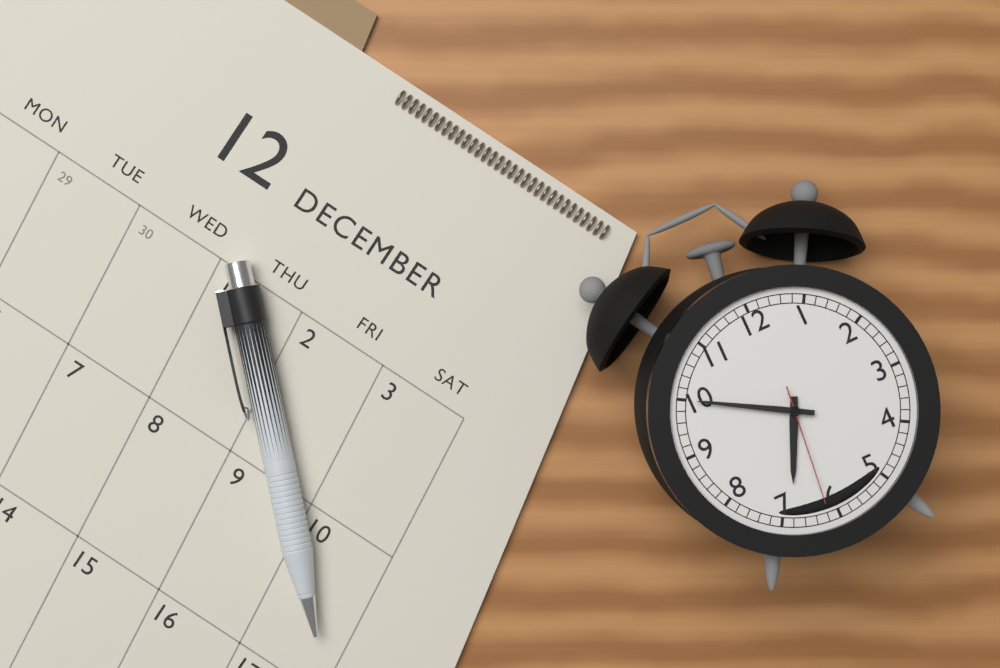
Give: 6:50:31
